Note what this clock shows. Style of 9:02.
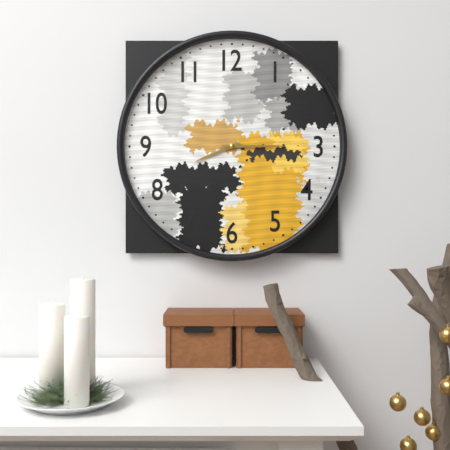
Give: 8:15
